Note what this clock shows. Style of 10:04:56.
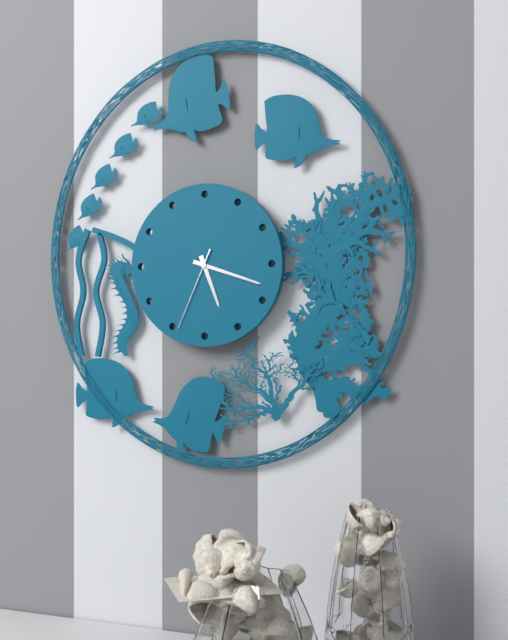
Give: 5:18:34
